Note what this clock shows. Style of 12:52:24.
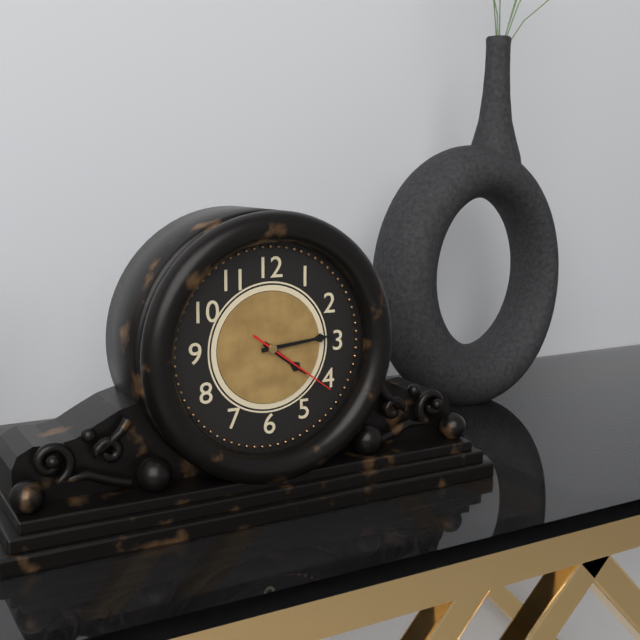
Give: 4:14:21
